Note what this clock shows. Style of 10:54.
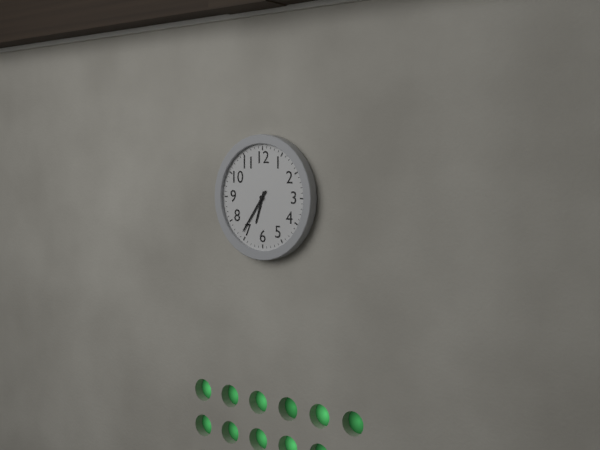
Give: 6:36
